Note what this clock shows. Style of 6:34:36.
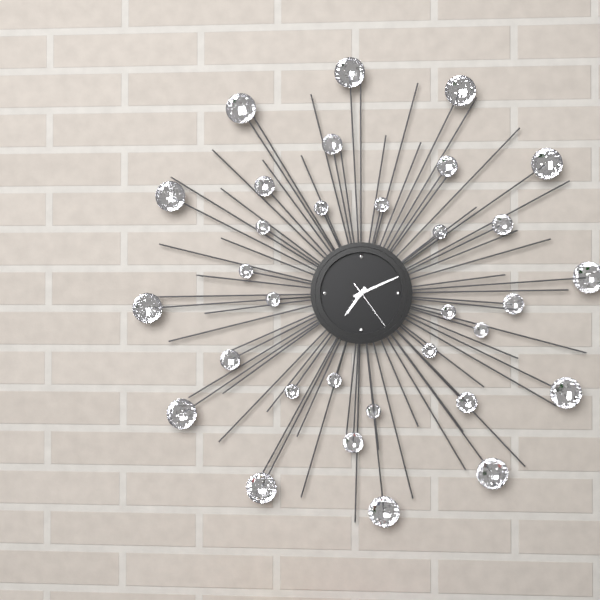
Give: 7:11:24
